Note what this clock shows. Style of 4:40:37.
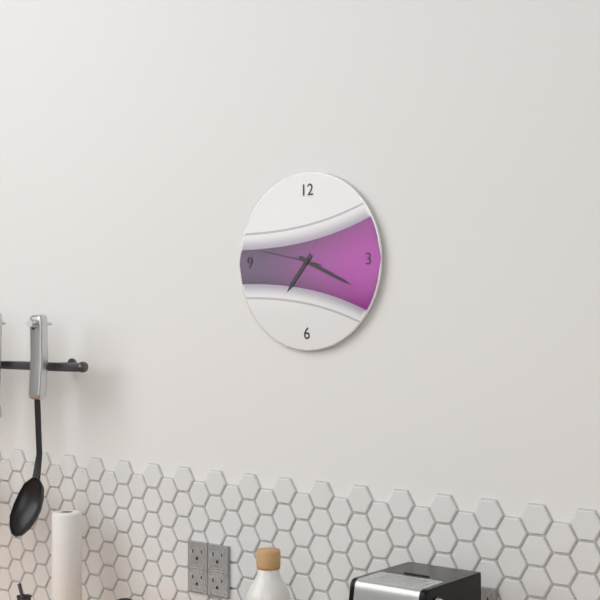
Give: 7:19:47
